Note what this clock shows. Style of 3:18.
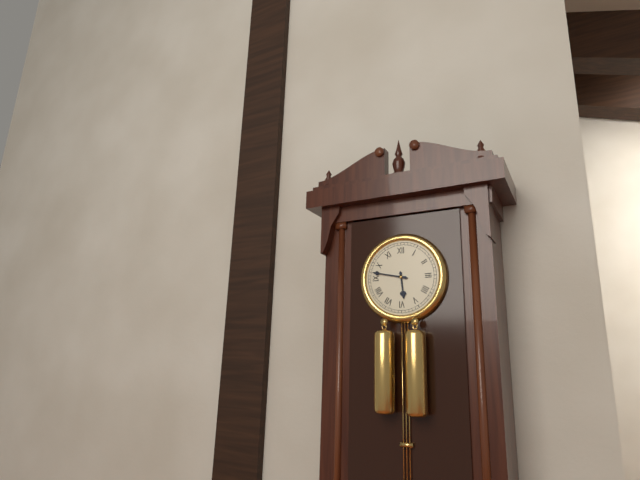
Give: 5:47
